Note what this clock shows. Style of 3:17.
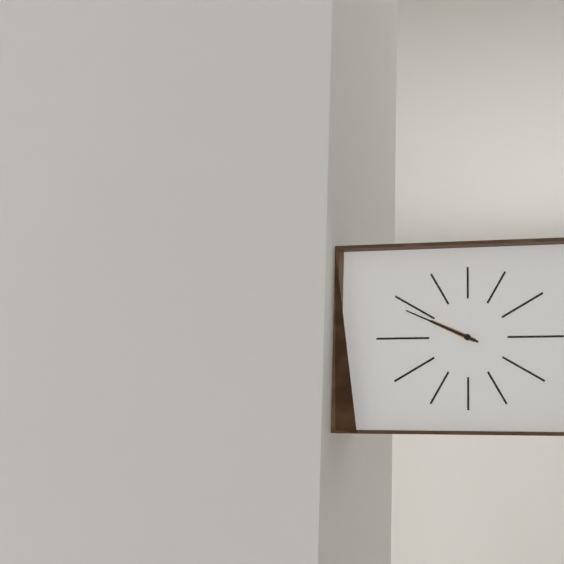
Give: 9:49
